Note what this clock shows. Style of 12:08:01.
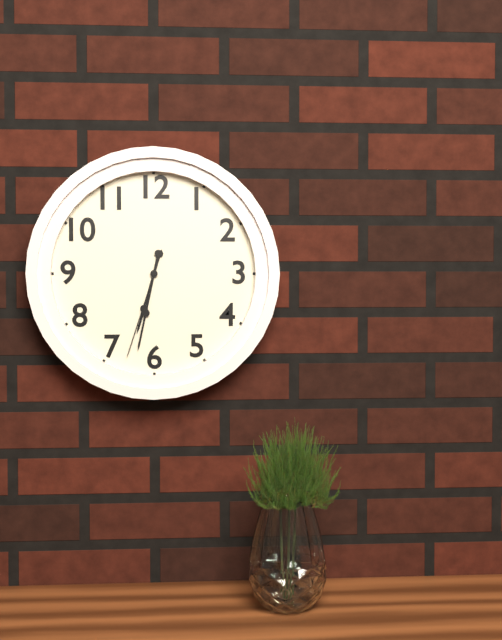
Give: 6:32:33
